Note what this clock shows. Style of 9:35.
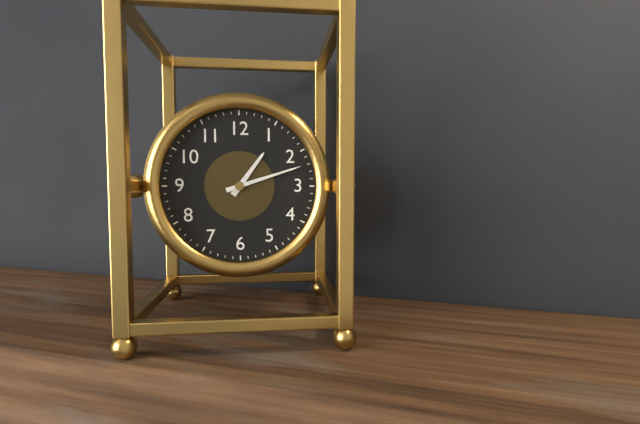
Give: 1:12
